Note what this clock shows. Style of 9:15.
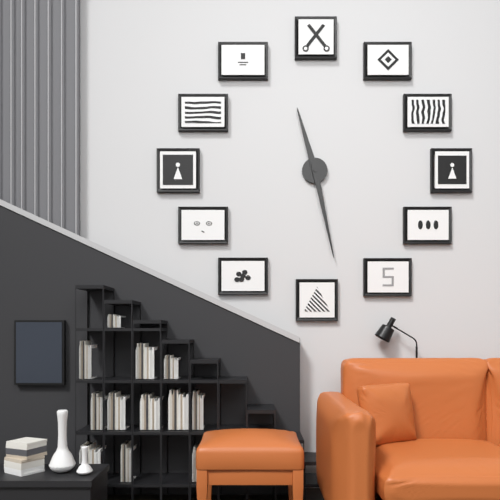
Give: 11:28
